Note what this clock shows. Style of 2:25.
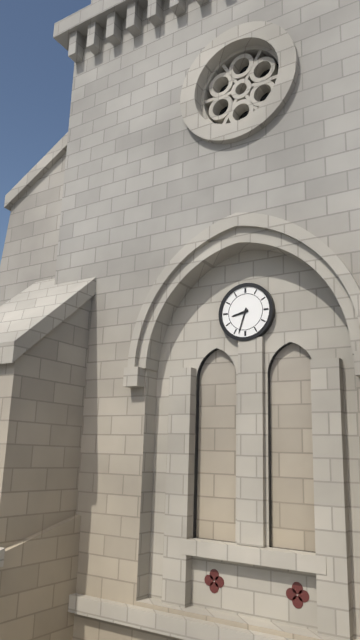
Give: 8:33
